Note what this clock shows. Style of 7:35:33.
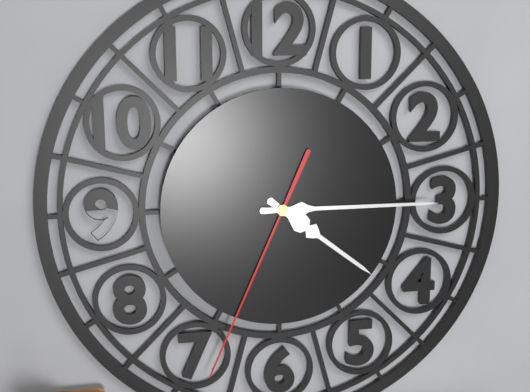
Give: 4:15:34
